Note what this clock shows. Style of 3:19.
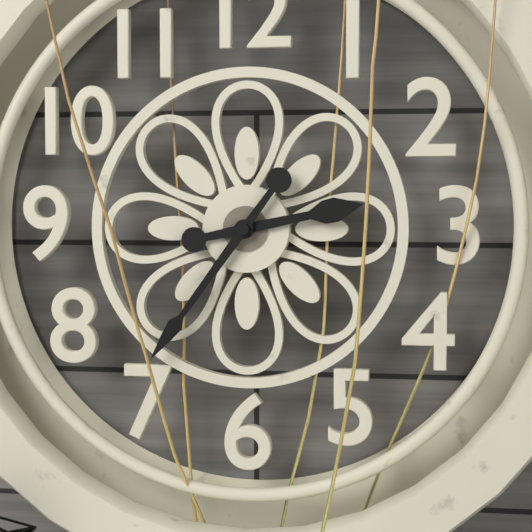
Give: 2:36
